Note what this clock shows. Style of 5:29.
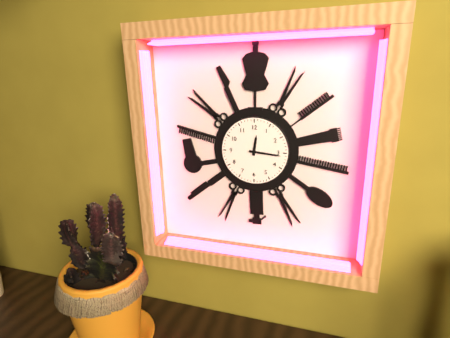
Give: 12:16
